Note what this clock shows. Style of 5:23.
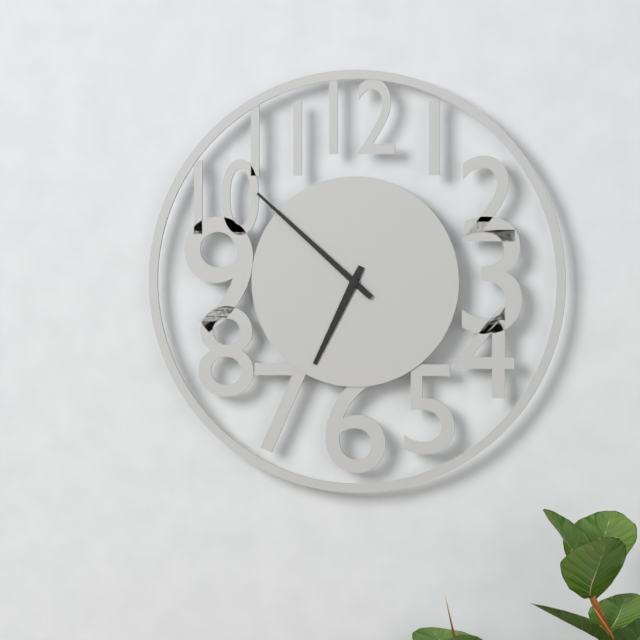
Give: 6:52
